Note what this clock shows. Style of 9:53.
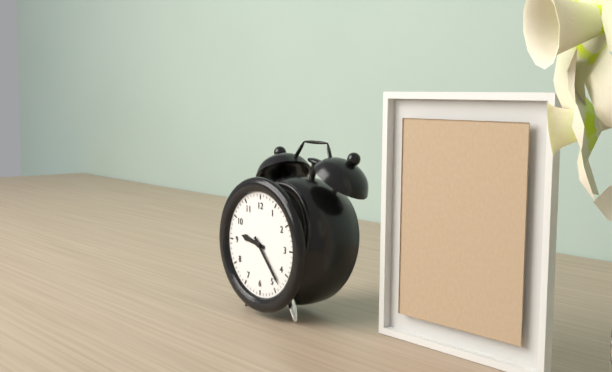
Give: 9:23
